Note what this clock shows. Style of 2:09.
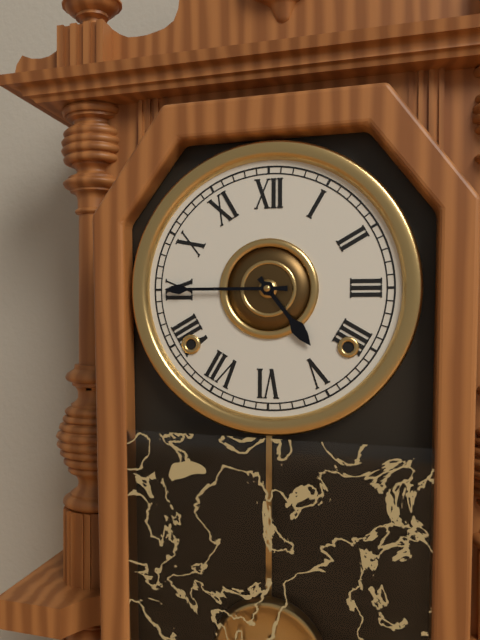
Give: 4:45
